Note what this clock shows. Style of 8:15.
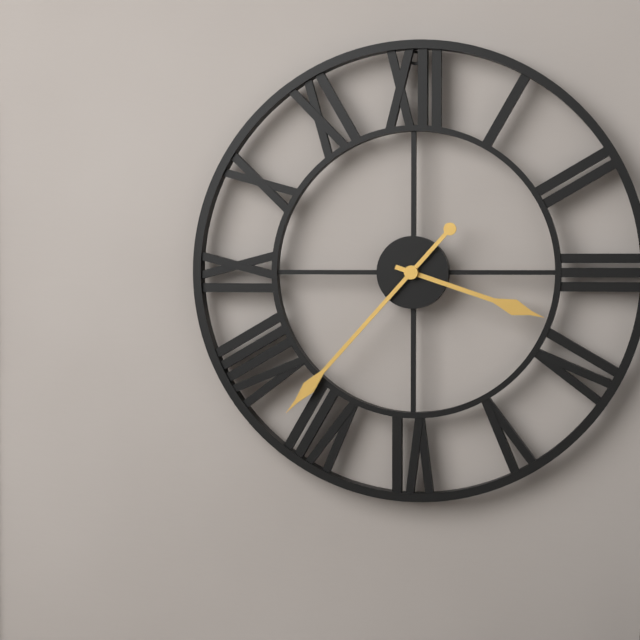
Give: 3:37
